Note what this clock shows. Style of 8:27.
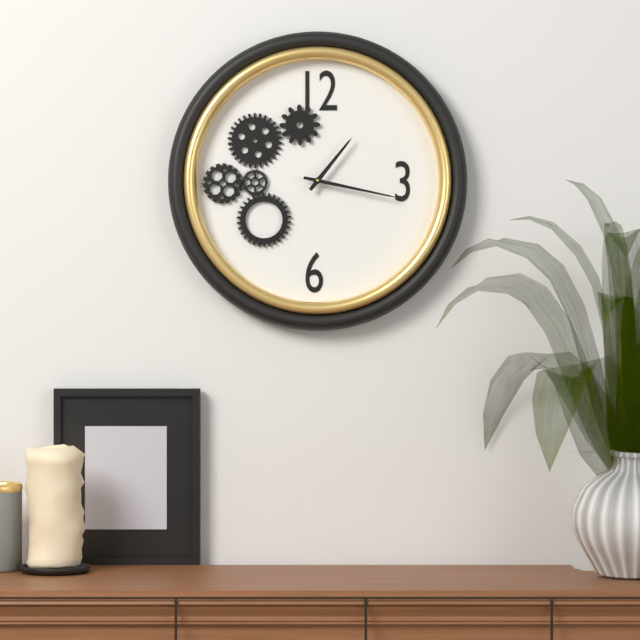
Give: 1:17
